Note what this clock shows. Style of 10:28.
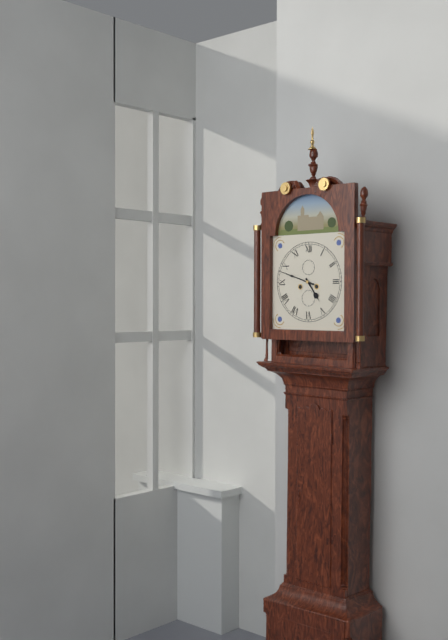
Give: 4:48
